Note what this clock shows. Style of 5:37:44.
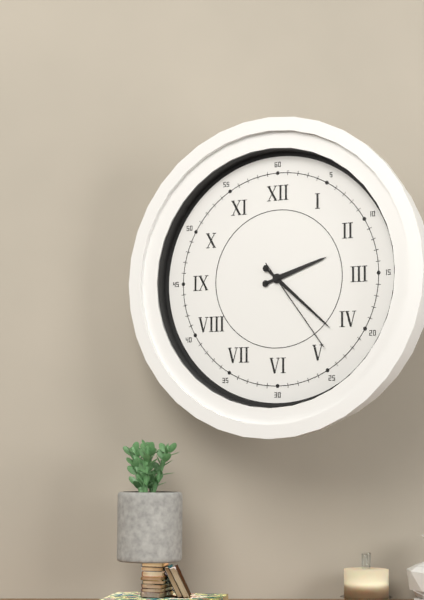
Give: 2:22:24
